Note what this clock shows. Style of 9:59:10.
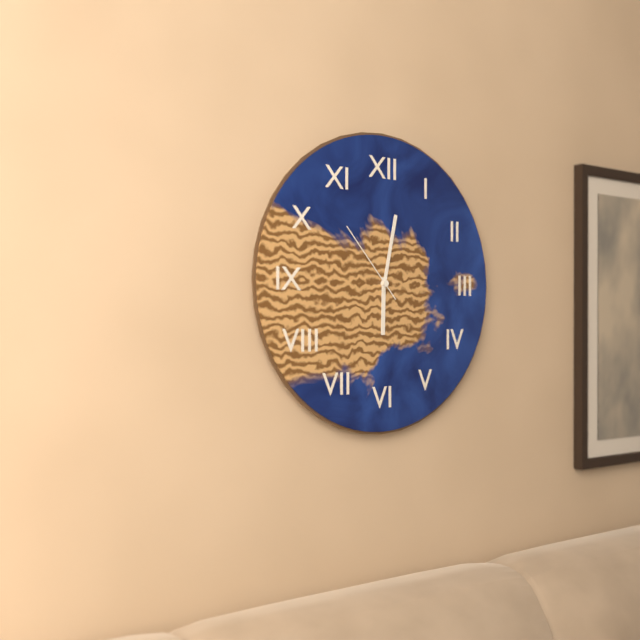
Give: 6:02:53
